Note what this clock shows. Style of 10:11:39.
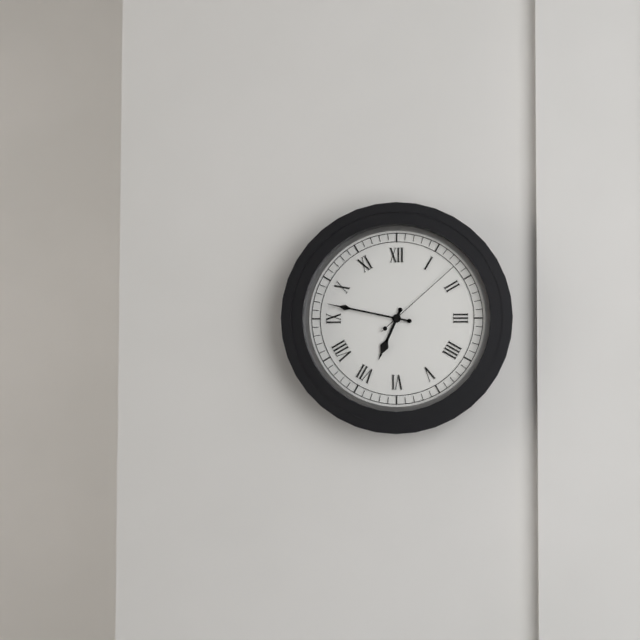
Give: 6:47:08
